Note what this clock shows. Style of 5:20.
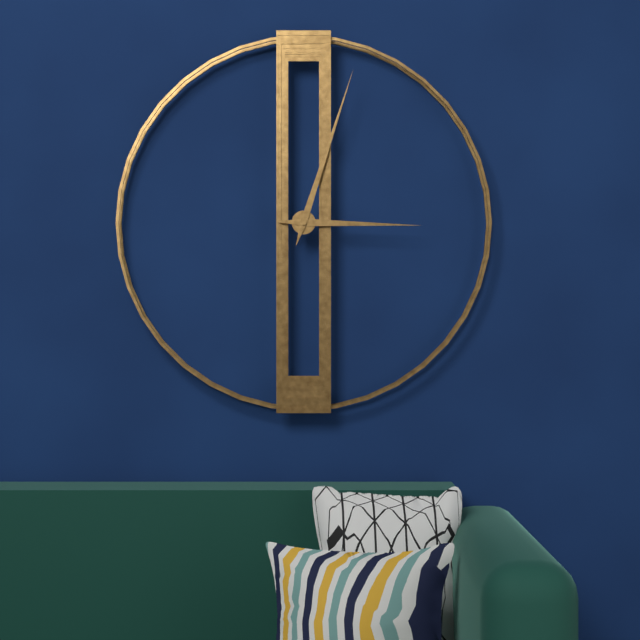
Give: 3:03
